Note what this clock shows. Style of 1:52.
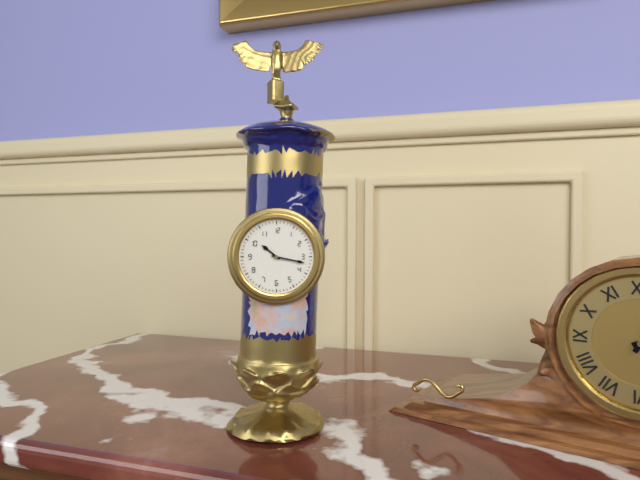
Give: 10:17
